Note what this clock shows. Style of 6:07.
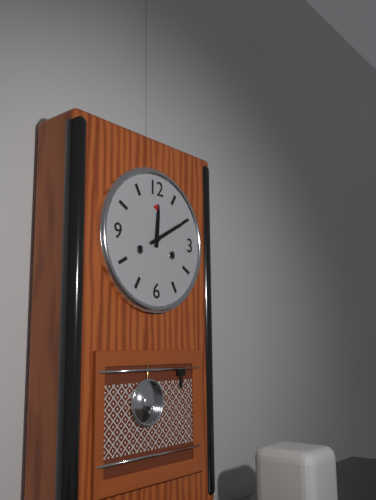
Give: 12:10
